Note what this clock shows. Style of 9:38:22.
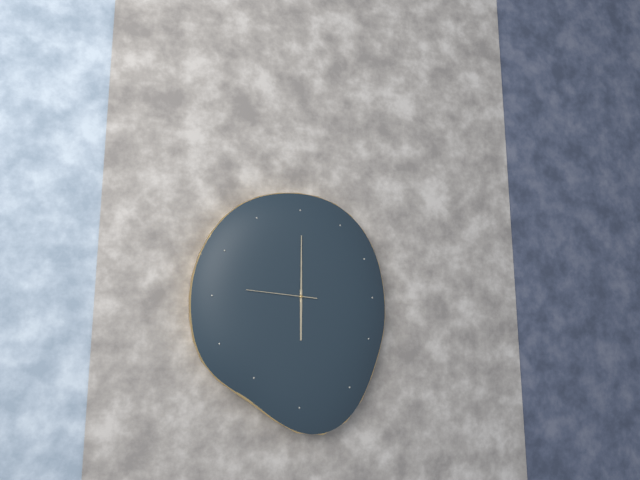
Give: 6:00:46
